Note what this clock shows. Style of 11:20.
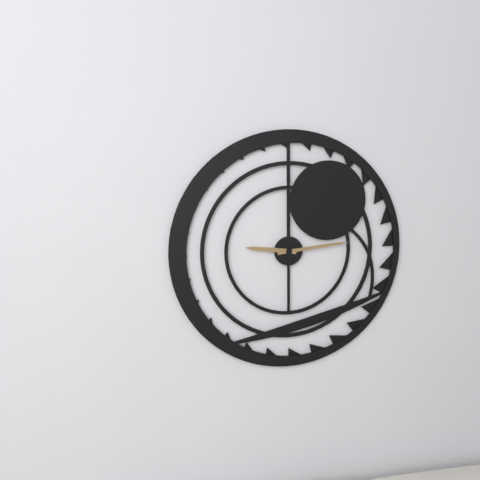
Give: 9:14
